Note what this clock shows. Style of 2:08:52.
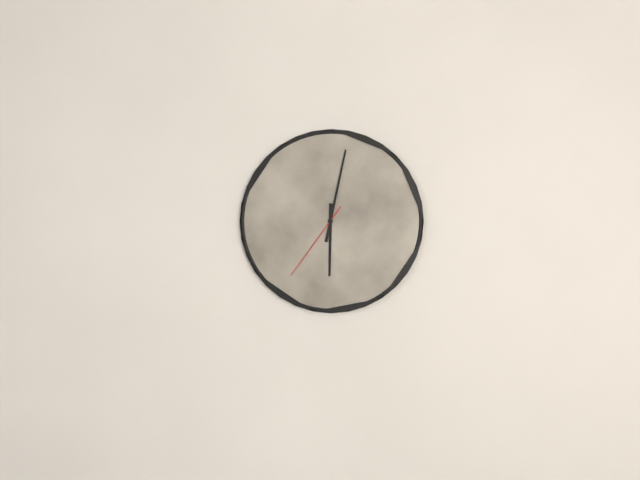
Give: 6:02:36
